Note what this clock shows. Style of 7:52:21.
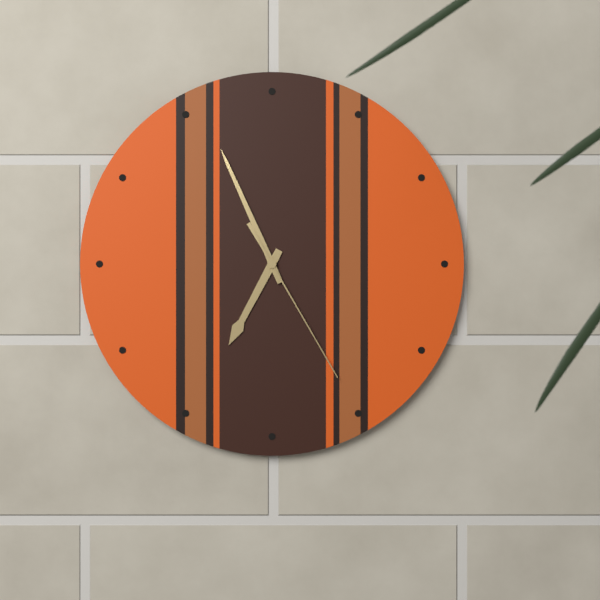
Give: 6:56:25
